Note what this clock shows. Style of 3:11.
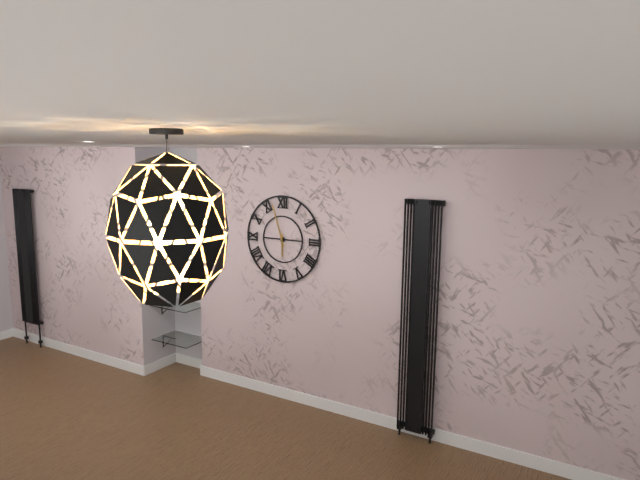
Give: 5:57
